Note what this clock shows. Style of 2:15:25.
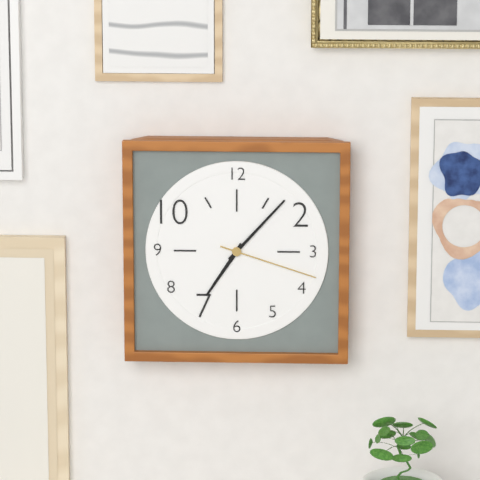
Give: 7:07:18
